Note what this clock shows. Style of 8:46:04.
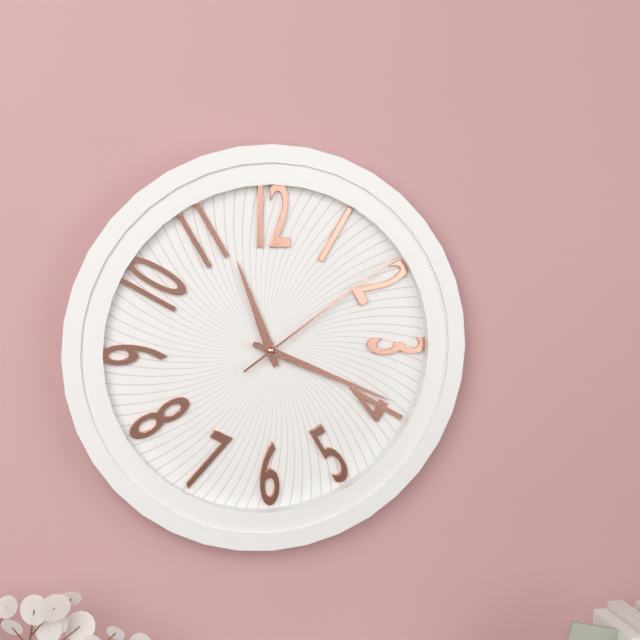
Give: 11:19:09
